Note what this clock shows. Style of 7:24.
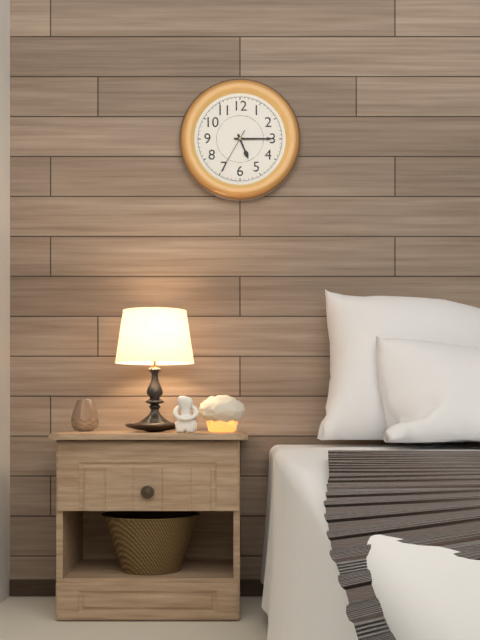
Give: 5:15
